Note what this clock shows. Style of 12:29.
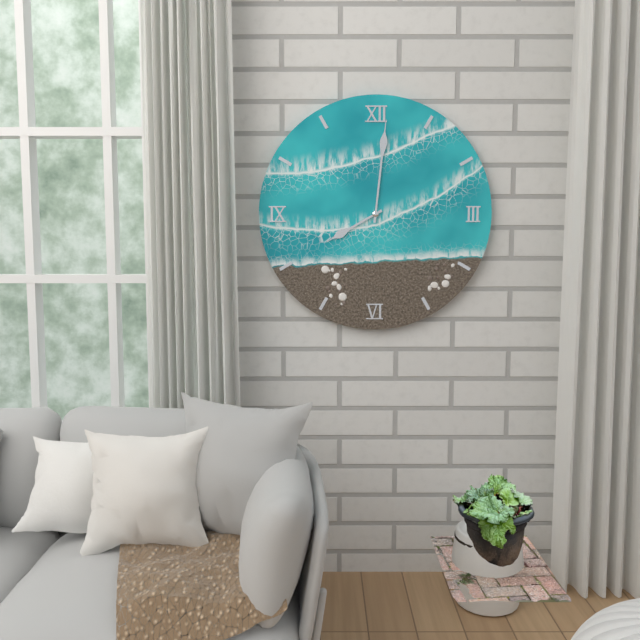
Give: 8:01
